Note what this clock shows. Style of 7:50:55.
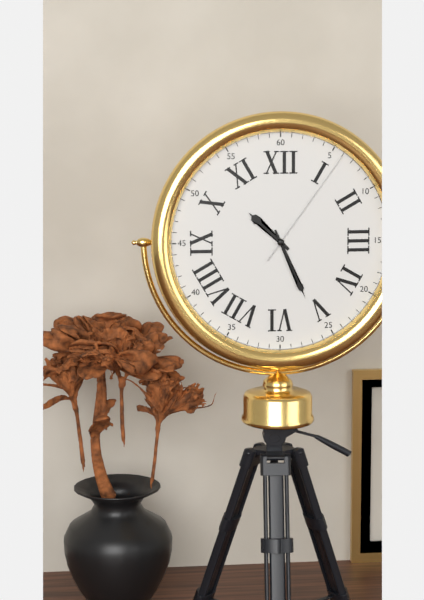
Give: 10:26:06
